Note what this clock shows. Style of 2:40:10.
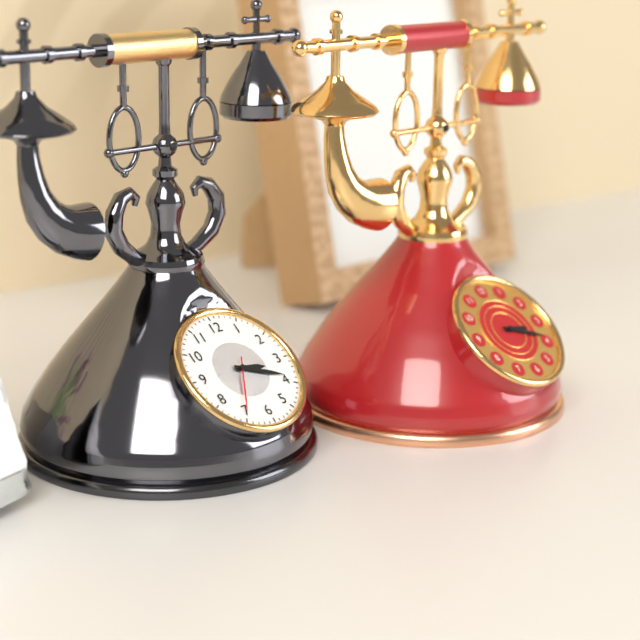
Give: 3:19:35
